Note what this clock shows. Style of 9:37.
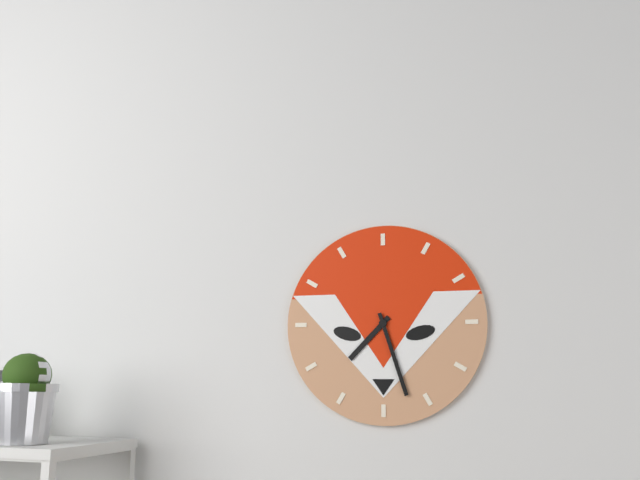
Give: 7:27
